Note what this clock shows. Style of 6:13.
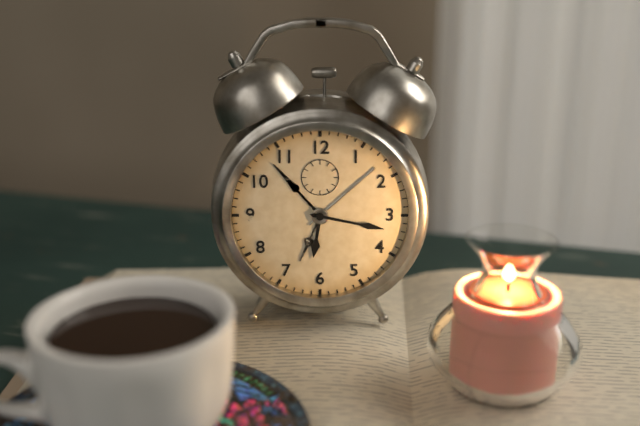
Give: 6:17
